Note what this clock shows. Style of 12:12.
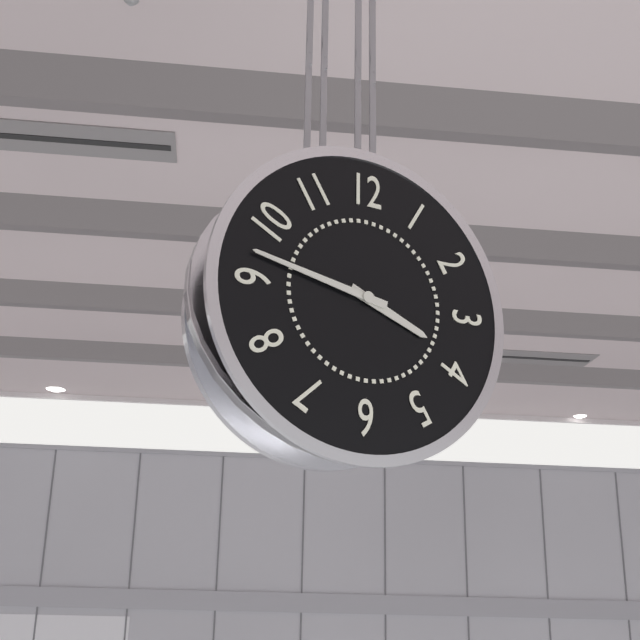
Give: 3:47
